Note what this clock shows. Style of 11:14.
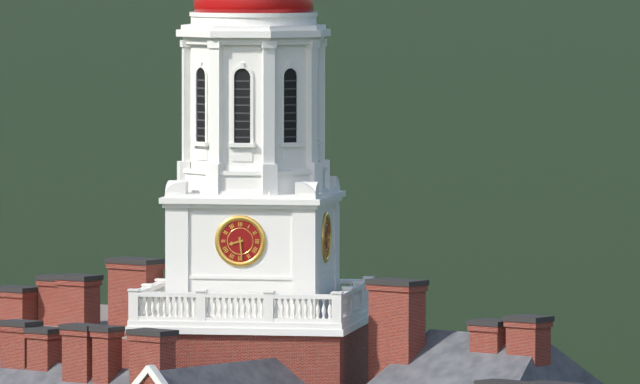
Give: 8:29
